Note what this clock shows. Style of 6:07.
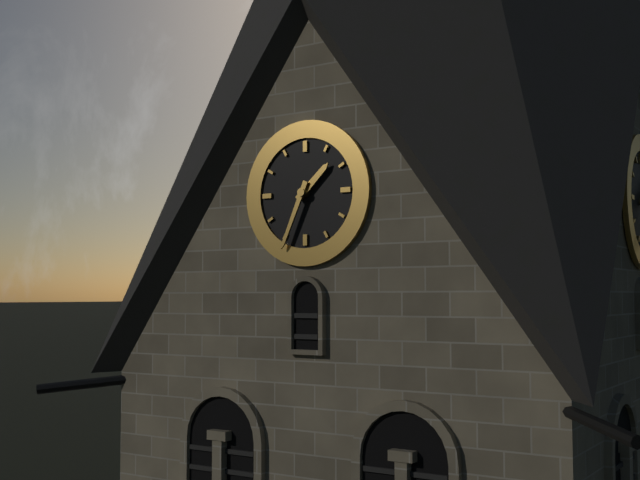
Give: 1:34
